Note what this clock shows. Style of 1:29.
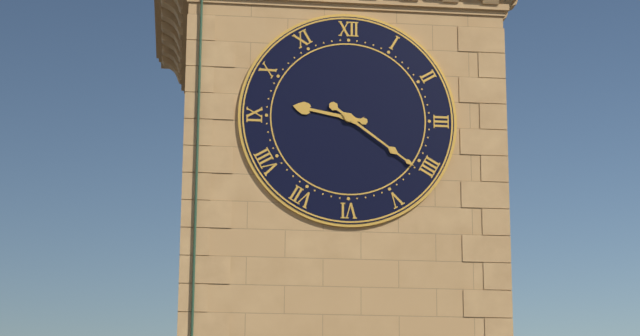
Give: 9:21
